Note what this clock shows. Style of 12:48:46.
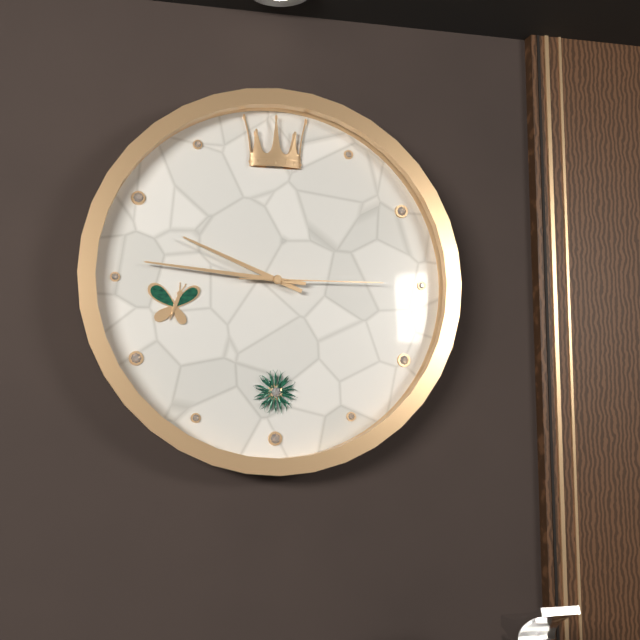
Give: 9:46:15
